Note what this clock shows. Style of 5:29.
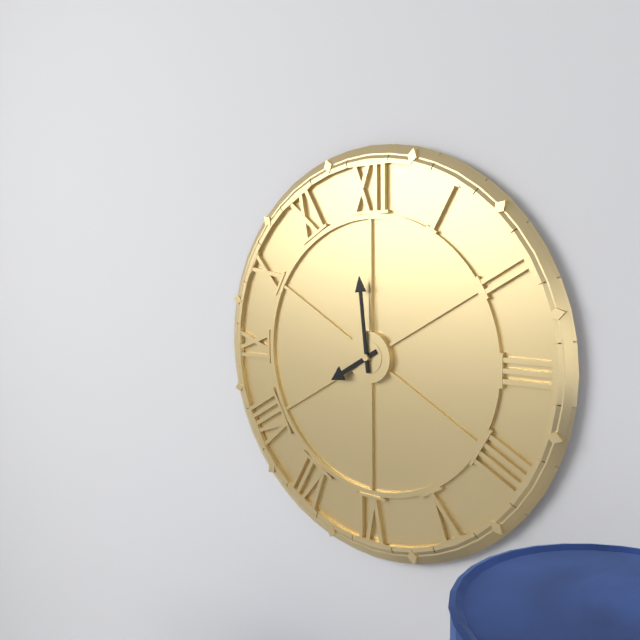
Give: 7:59
